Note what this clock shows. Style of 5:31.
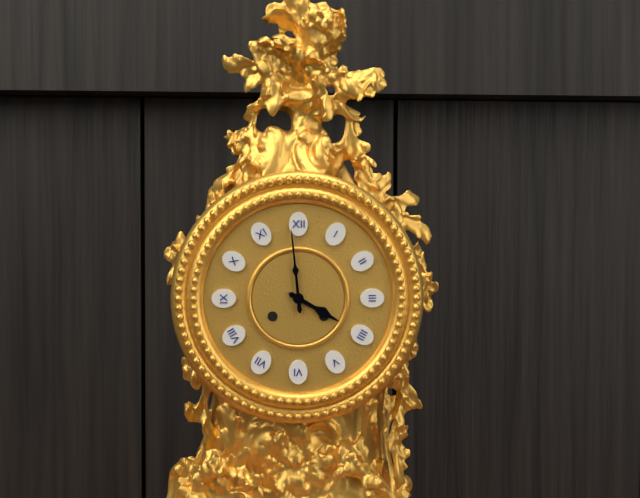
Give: 3:59
